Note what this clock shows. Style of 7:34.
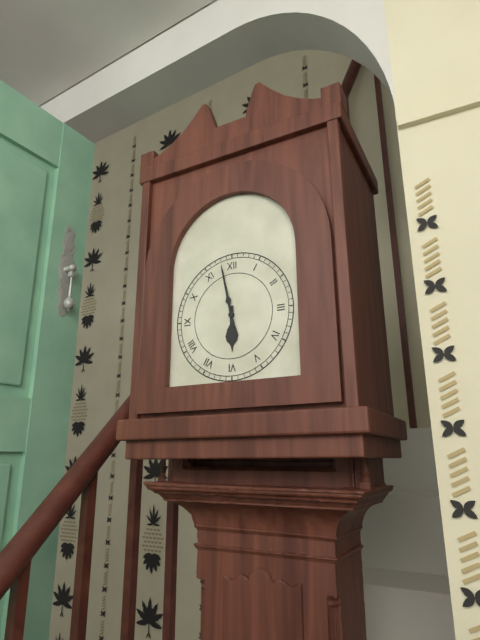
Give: 5:58
